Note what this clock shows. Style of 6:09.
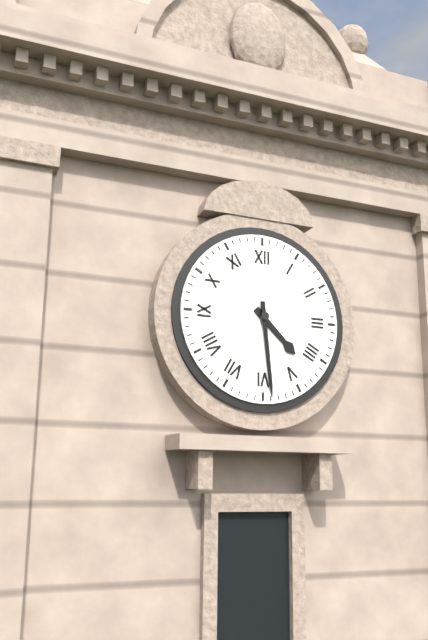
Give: 4:29
